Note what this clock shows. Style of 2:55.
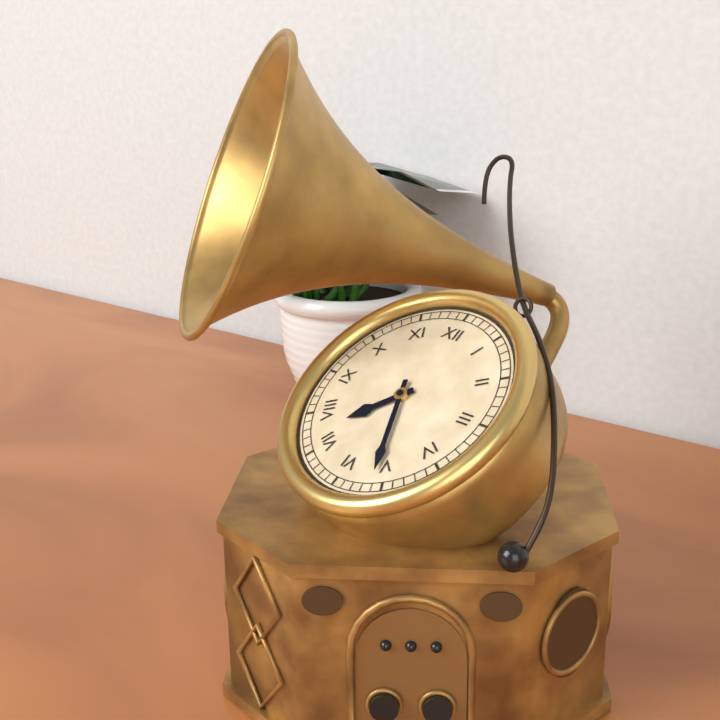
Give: 7:26
